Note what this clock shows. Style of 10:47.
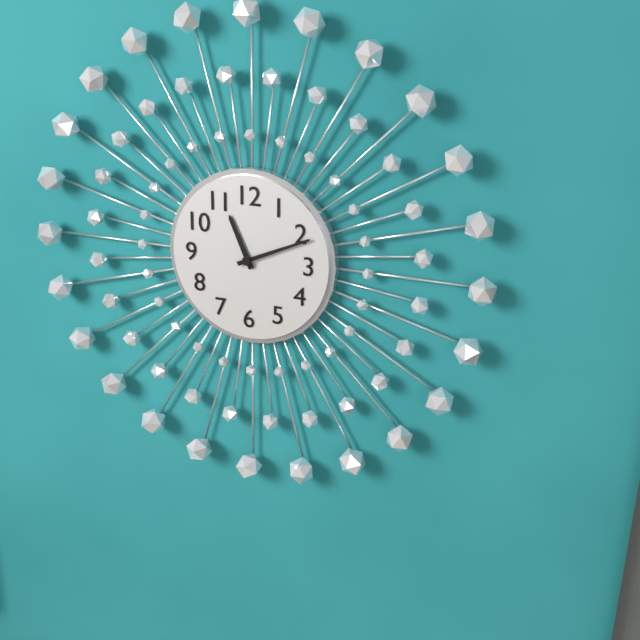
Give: 11:11
